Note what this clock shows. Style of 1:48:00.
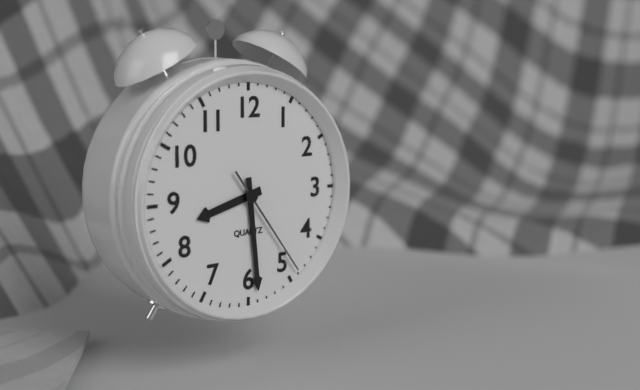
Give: 8:29:24
